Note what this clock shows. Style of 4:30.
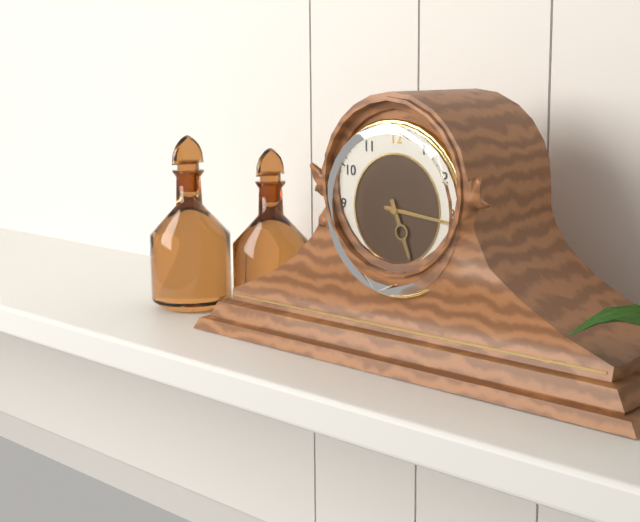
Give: 5:16
